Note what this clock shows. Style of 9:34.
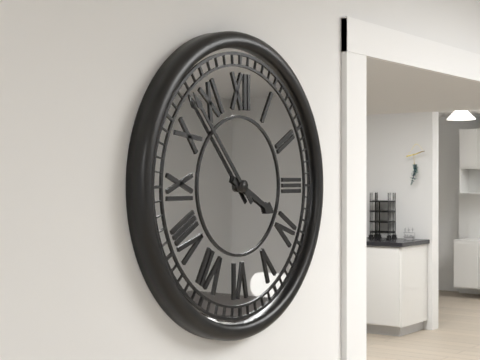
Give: 3:53
